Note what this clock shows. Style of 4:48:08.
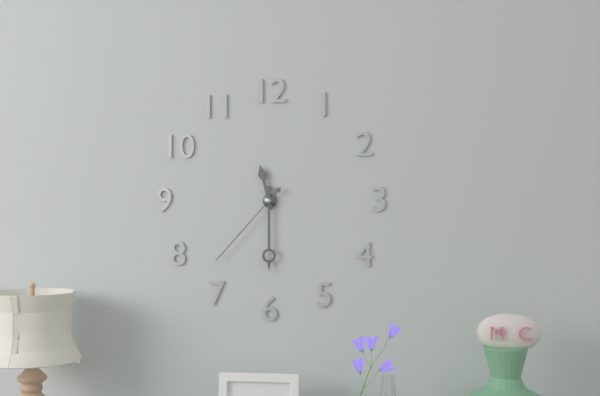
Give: 11:30:37
